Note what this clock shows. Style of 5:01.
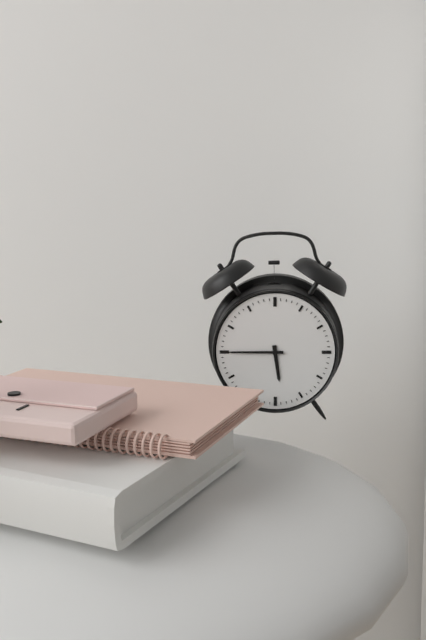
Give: 5:45
